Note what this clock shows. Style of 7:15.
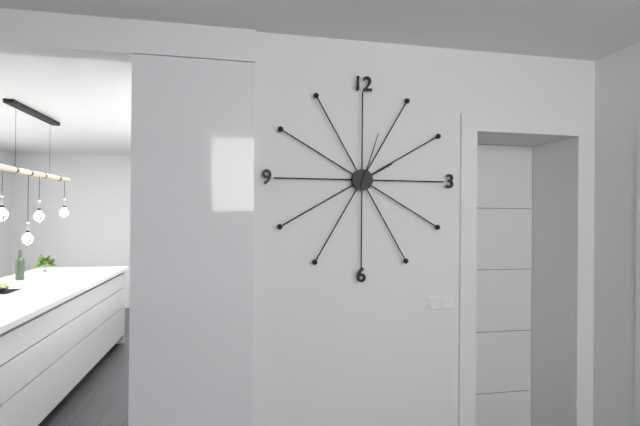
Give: 2:03
